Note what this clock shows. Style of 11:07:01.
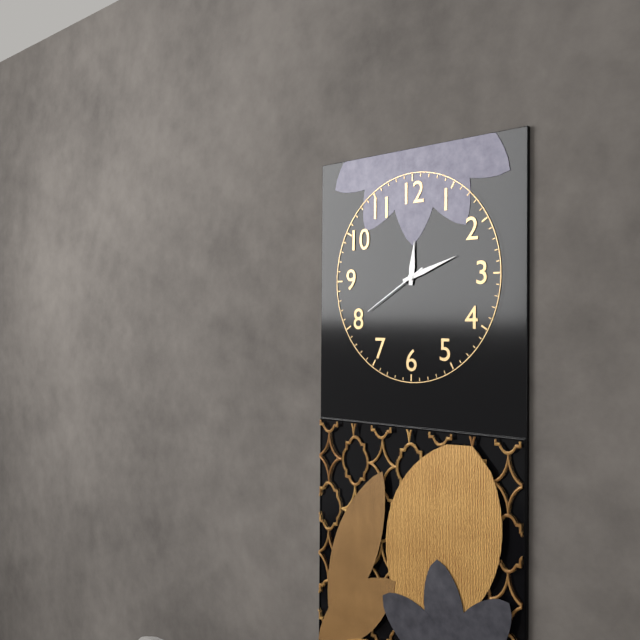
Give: 12:12:40
